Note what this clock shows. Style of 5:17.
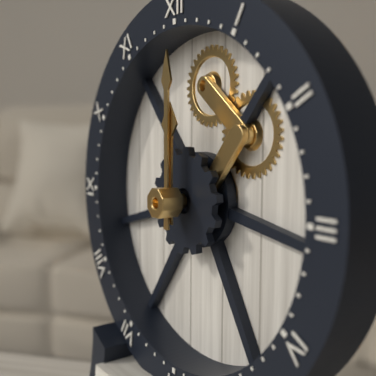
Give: 12:00
